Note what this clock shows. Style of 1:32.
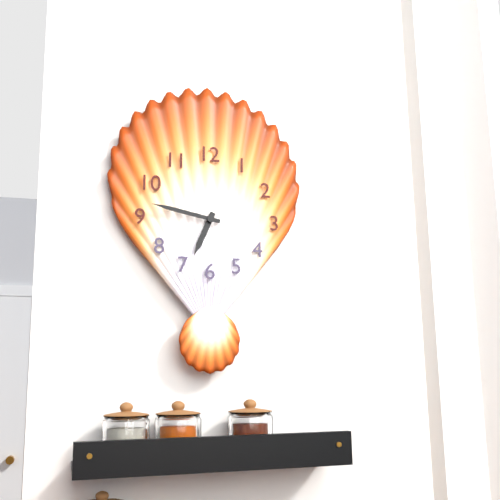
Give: 6:47
